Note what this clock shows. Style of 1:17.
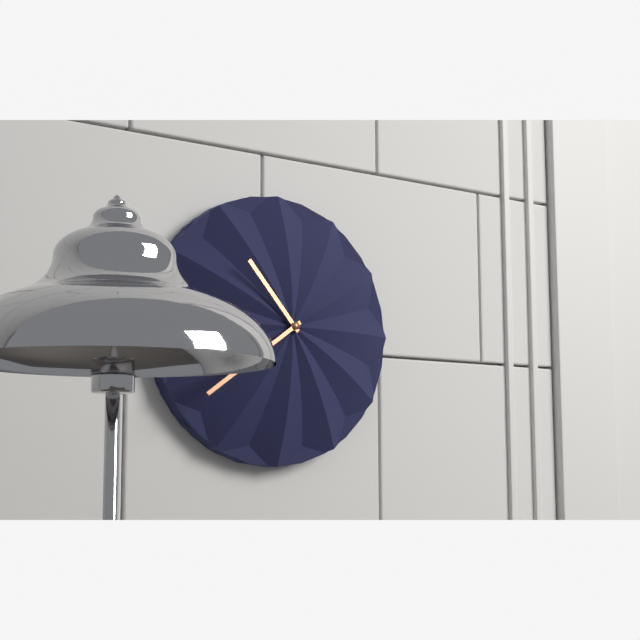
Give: 10:39
